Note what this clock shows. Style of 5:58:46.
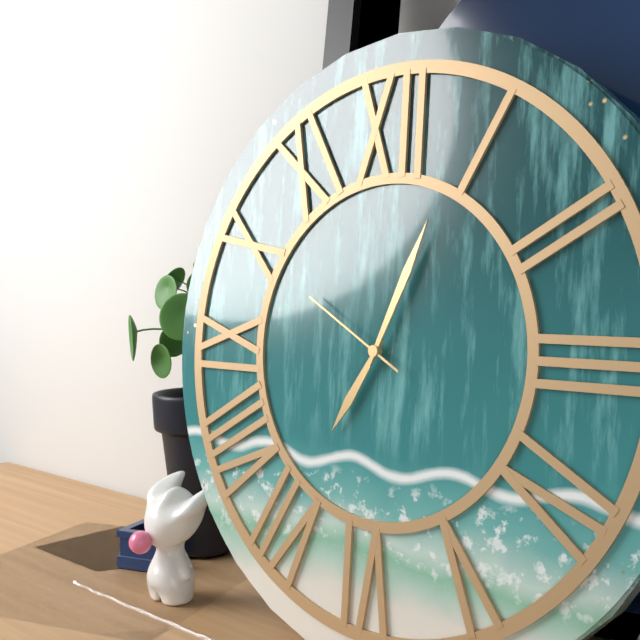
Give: 7:04:50
